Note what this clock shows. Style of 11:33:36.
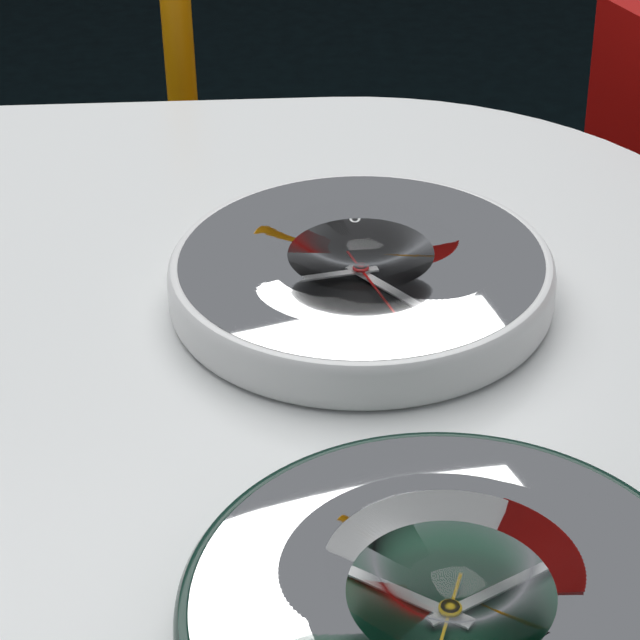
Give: 4:43:27
